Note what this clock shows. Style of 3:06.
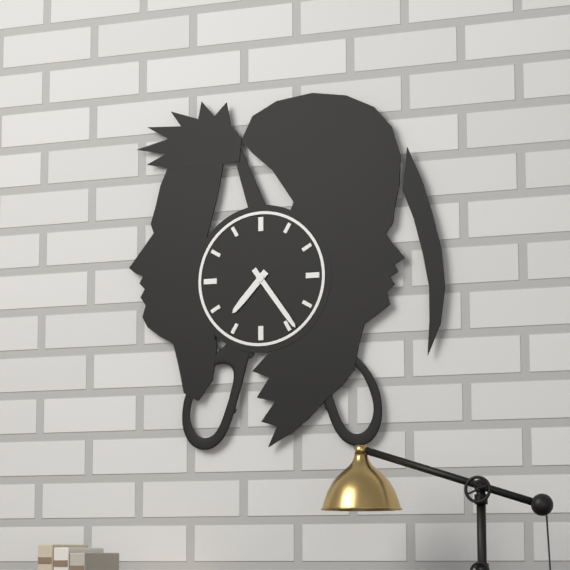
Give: 7:24
